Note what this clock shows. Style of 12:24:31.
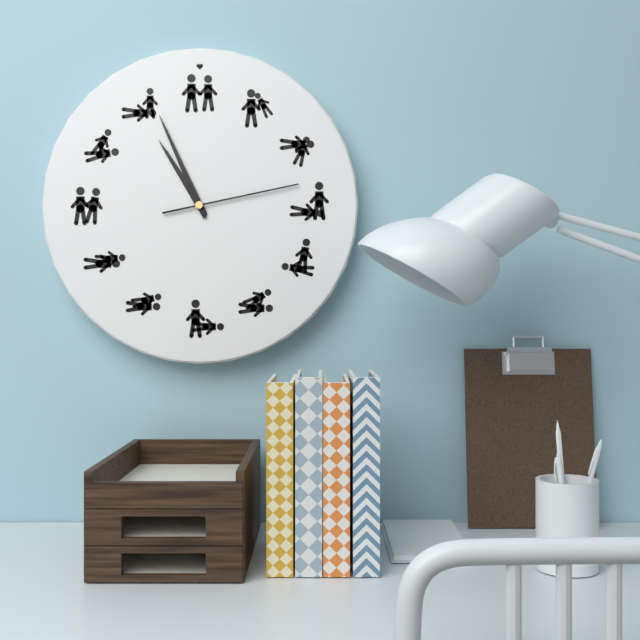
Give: 10:56:13
